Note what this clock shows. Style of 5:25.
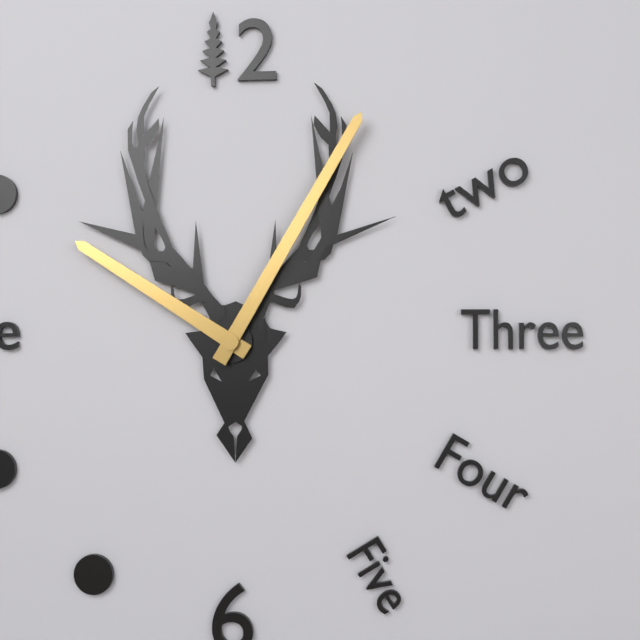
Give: 10:05
